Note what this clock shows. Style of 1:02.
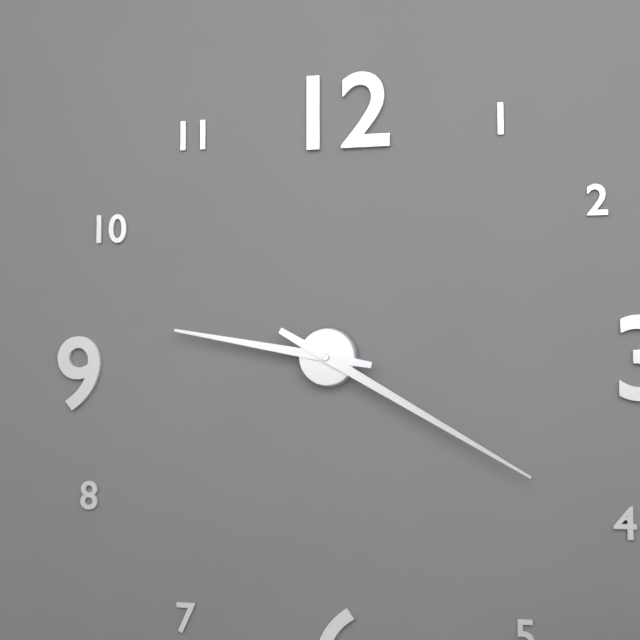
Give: 9:20
